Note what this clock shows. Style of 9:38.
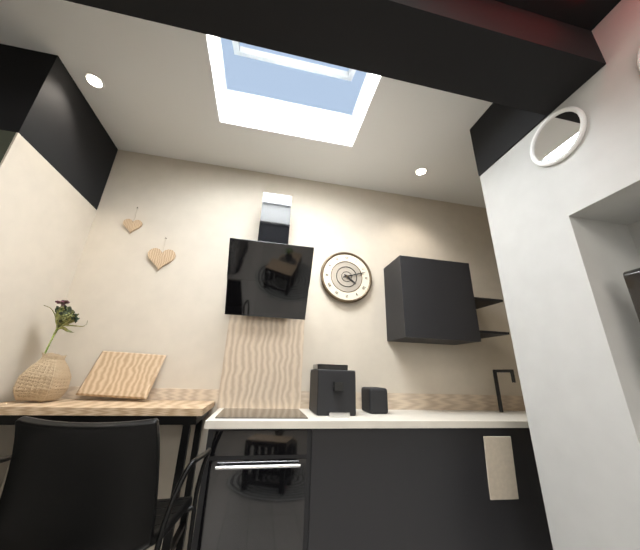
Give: 4:12
